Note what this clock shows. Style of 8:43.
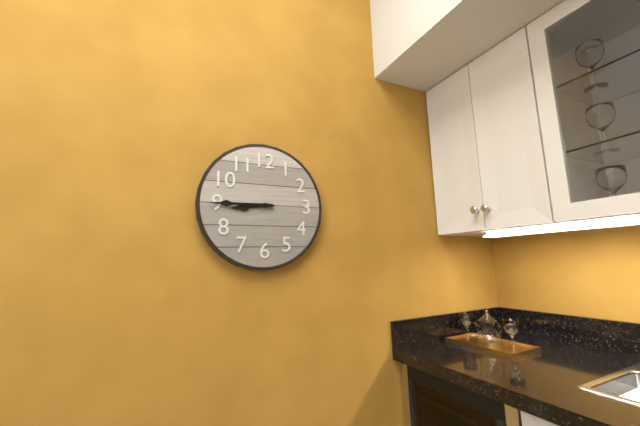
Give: 8:45
